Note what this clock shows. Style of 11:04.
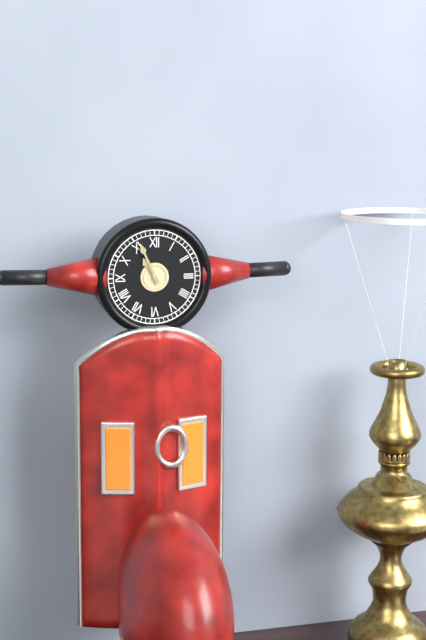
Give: 10:56
